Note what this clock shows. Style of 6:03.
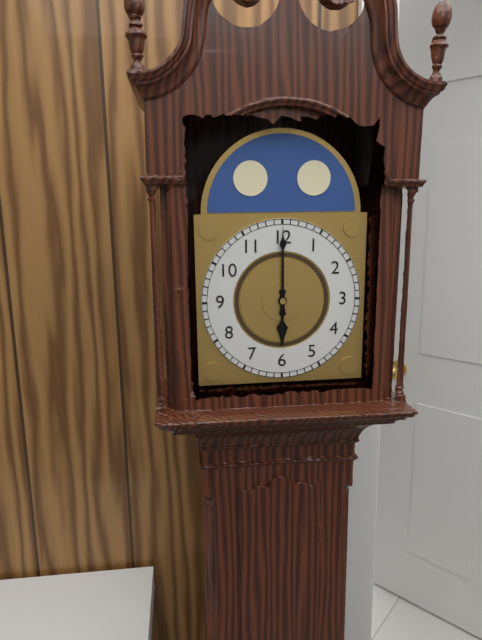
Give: 6:00
